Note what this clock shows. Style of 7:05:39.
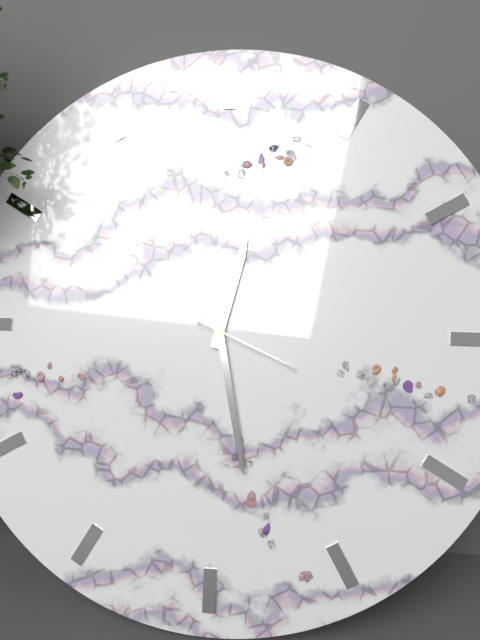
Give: 12:28:19
